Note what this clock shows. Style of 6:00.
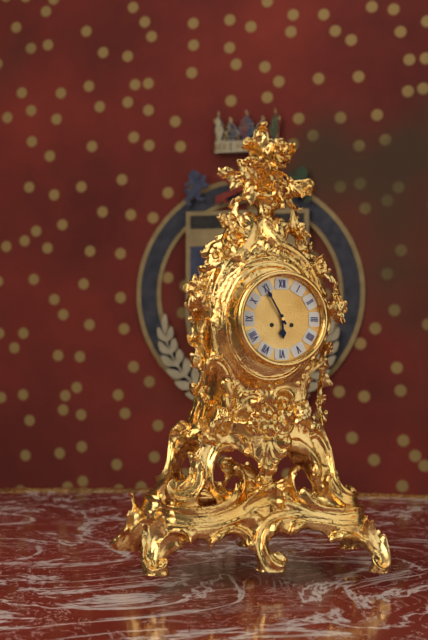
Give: 5:55
